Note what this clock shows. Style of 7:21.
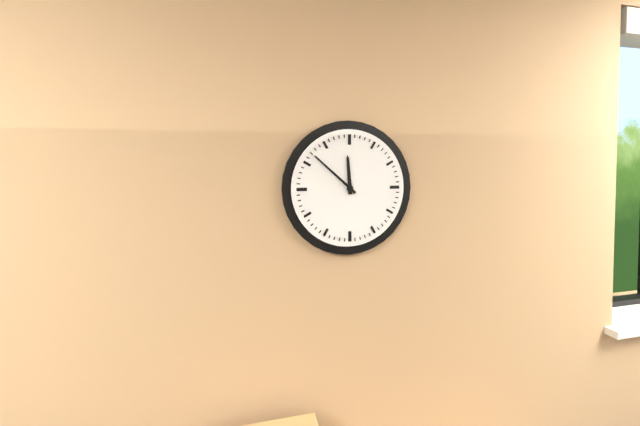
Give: 11:52
